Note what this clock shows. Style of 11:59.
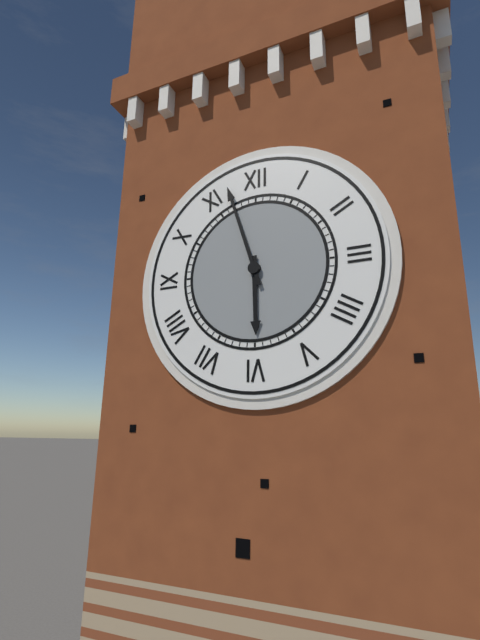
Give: 5:57
